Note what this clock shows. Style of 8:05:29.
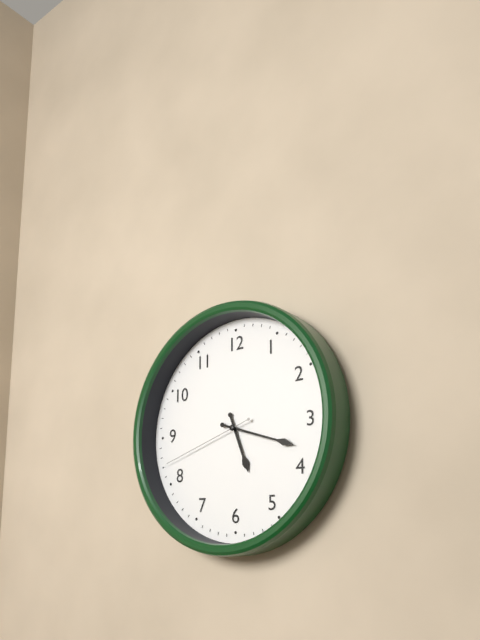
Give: 5:18:42
